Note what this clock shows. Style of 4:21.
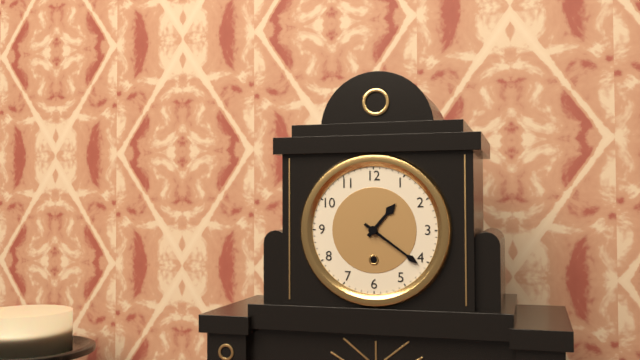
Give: 1:21
